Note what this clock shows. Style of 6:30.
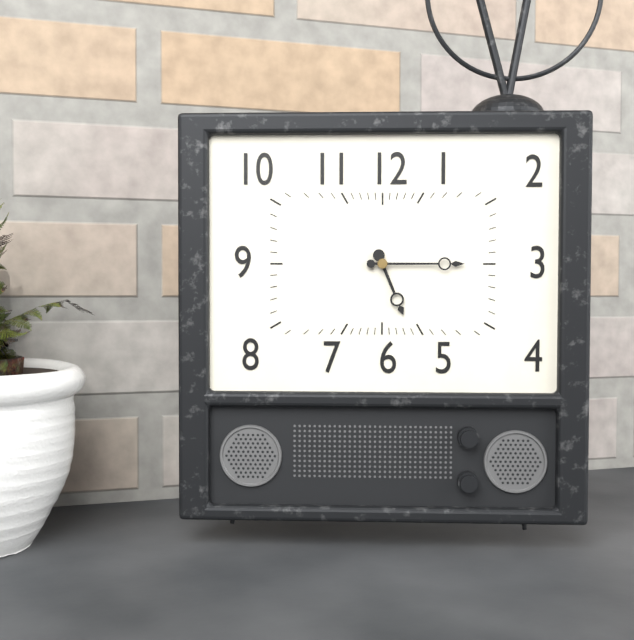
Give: 5:15
